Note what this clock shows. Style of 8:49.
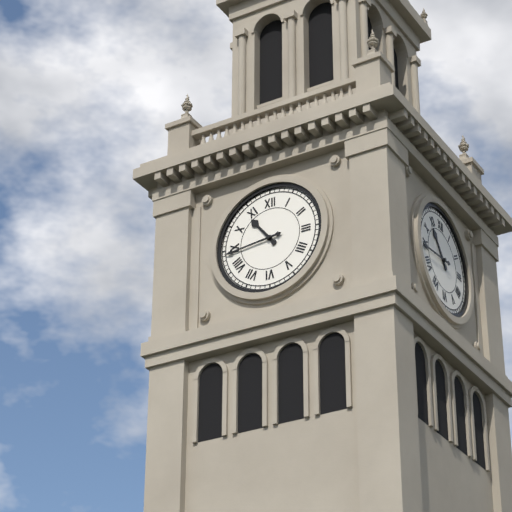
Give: 10:44
